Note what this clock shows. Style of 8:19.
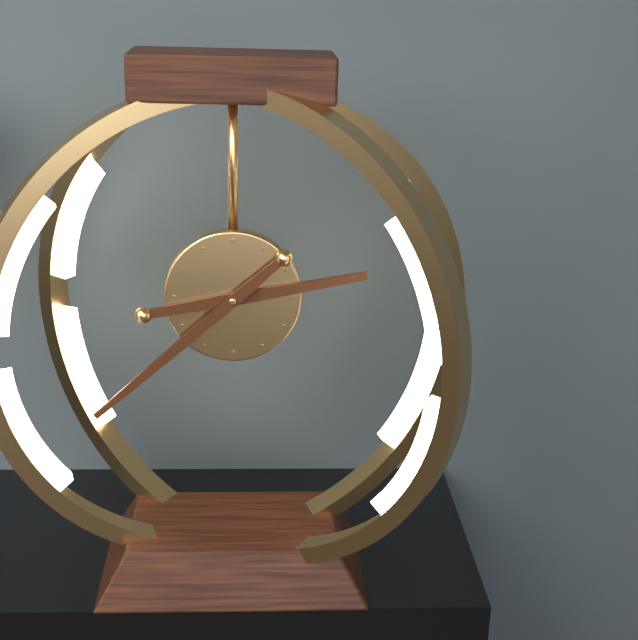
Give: 2:38
